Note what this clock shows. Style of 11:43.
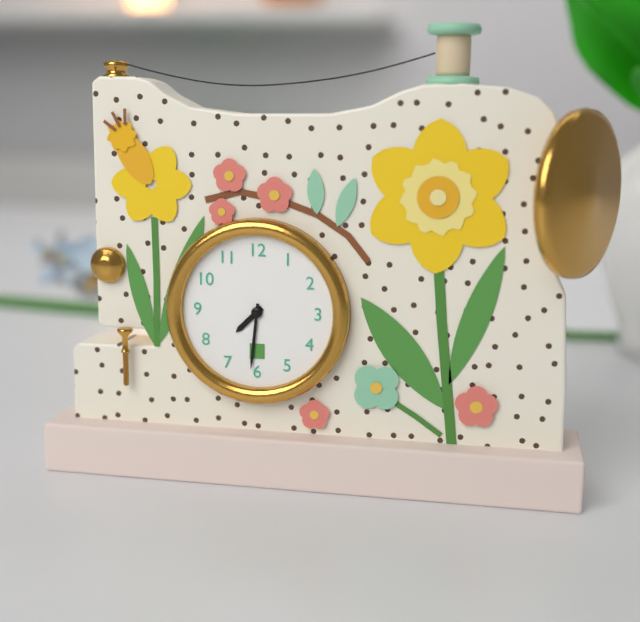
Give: 7:31
